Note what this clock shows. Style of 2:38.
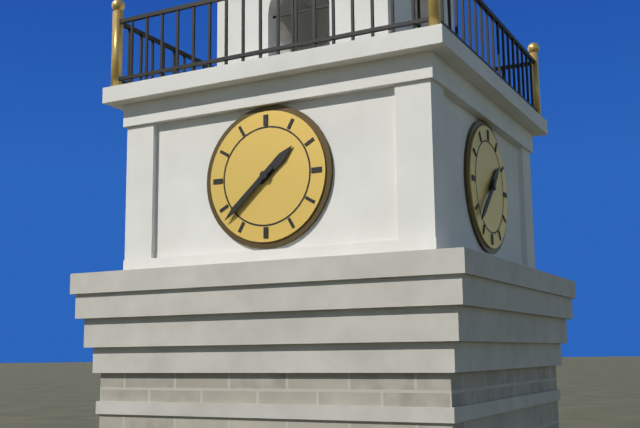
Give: 1:38
